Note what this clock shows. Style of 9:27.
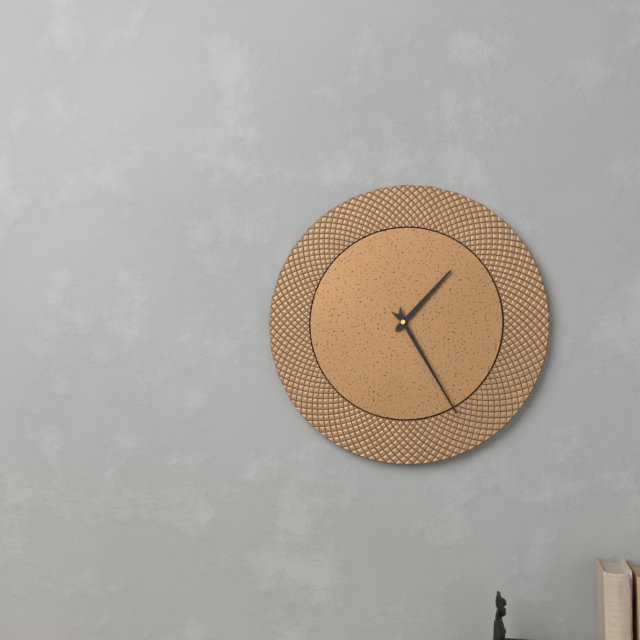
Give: 1:25
